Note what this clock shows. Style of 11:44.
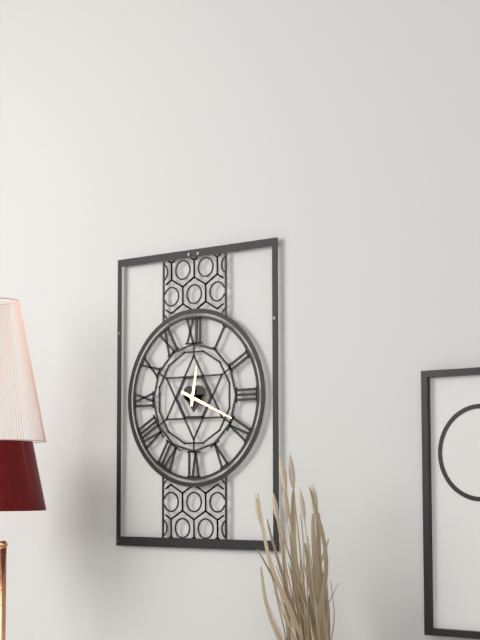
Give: 12:19
